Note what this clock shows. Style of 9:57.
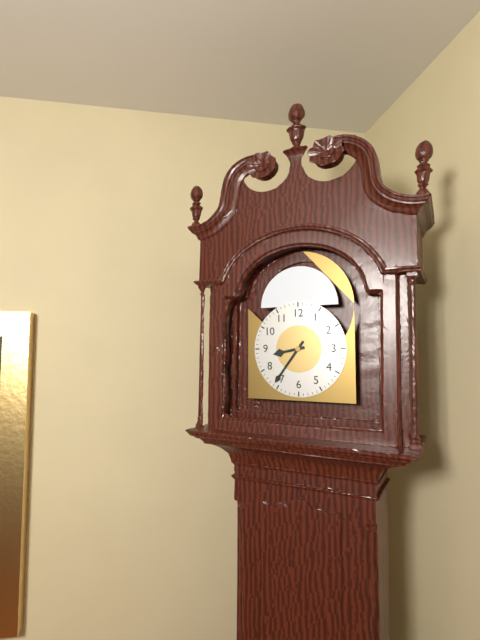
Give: 8:36
